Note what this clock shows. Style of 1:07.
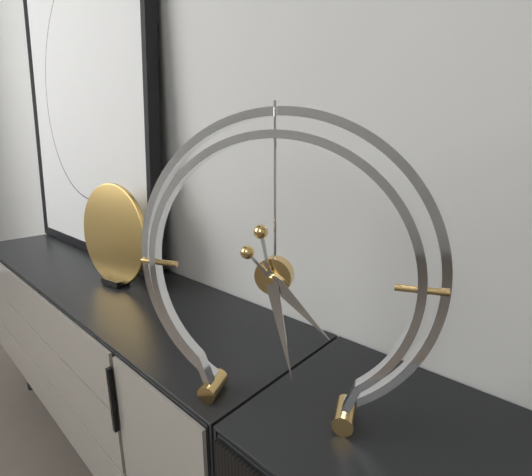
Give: 4:28
